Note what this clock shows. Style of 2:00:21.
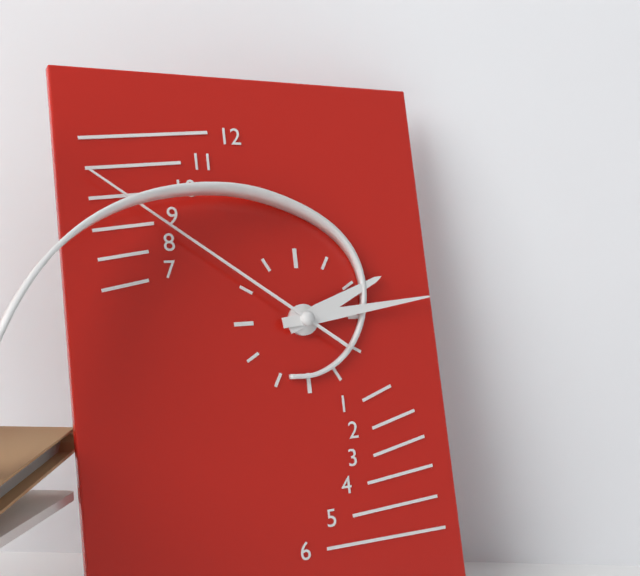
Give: 2:14:51
